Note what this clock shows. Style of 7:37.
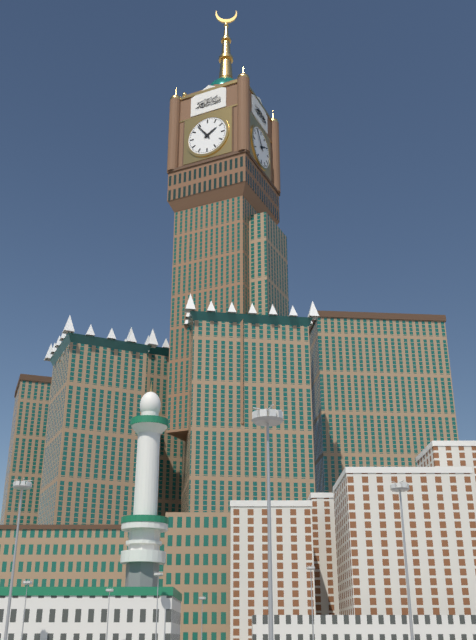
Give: 1:54
